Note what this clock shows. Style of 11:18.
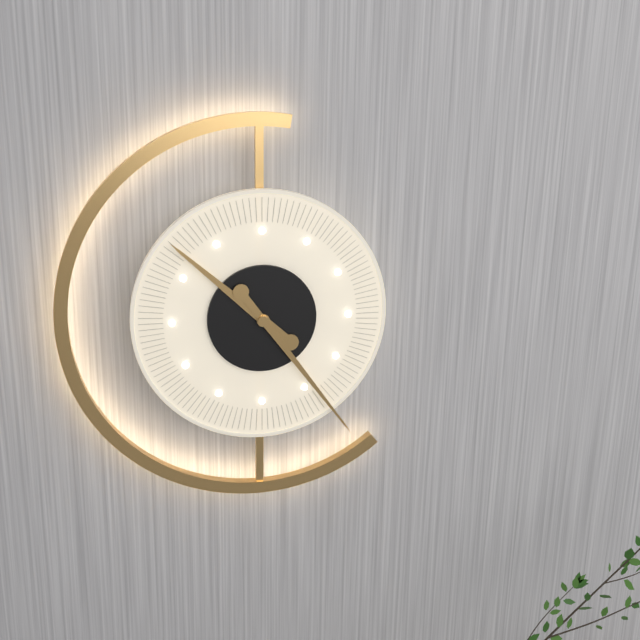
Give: 10:24
